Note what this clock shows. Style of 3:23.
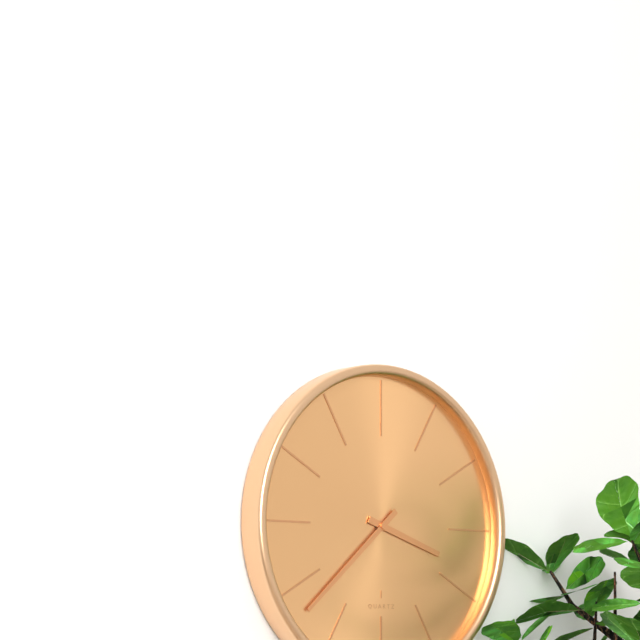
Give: 3:38
